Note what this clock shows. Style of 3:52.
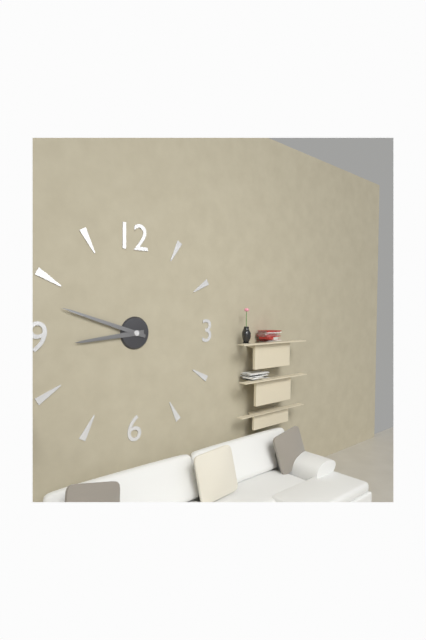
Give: 8:48
